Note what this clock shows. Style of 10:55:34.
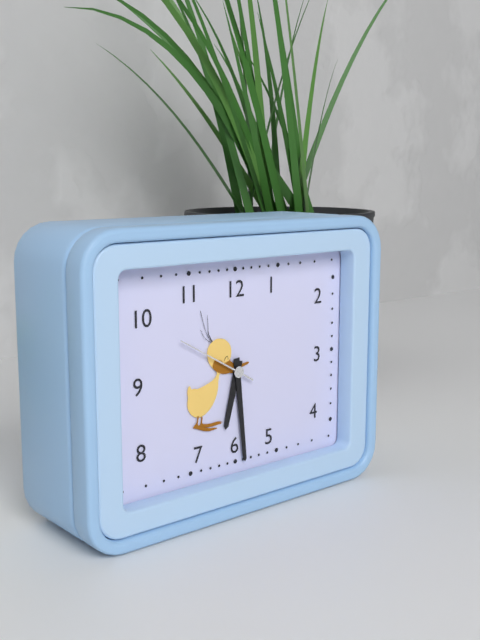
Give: 6:29:50
